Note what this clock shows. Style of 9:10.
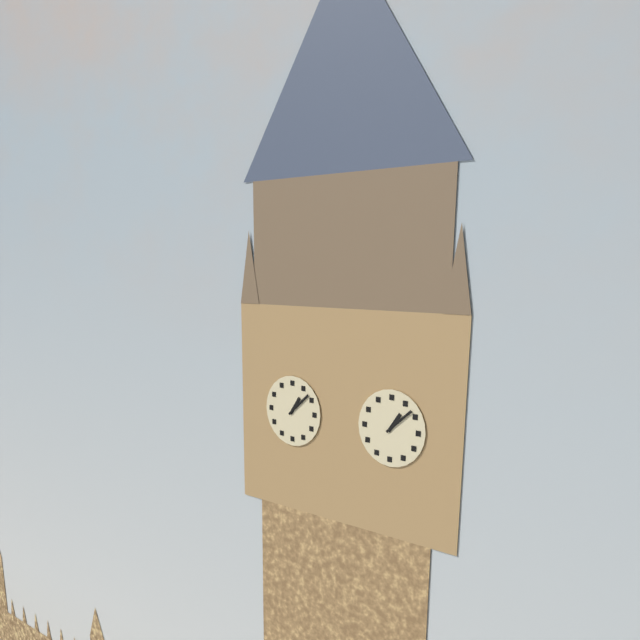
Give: 1:08
